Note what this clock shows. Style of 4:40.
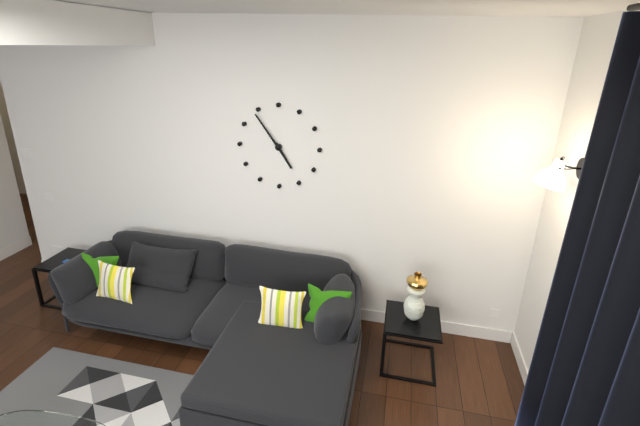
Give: 4:54
